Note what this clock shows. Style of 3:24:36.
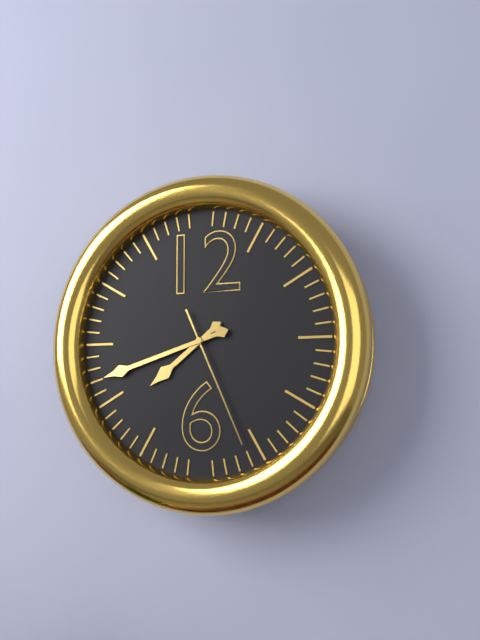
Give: 7:42:26
